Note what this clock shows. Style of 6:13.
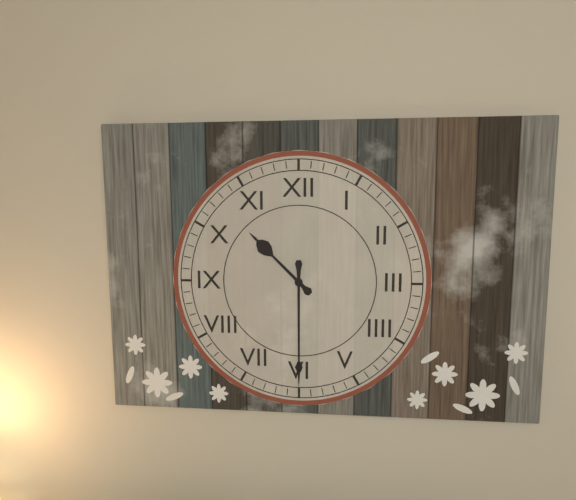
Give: 10:30
